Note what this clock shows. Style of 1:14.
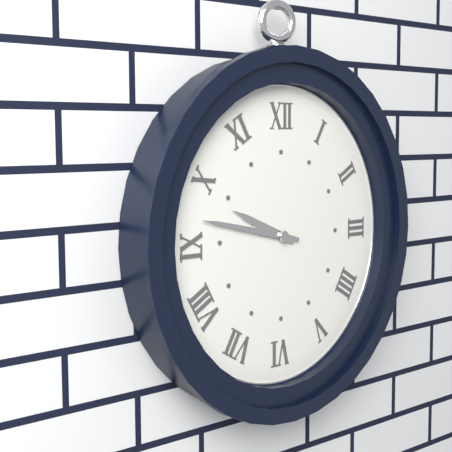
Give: 9:47
